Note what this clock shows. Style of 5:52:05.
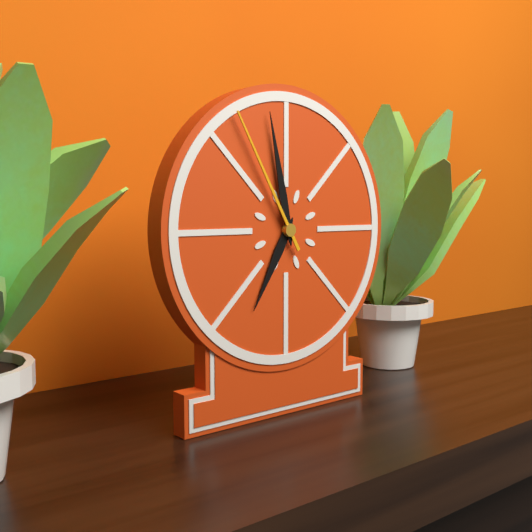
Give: 6:58:55
